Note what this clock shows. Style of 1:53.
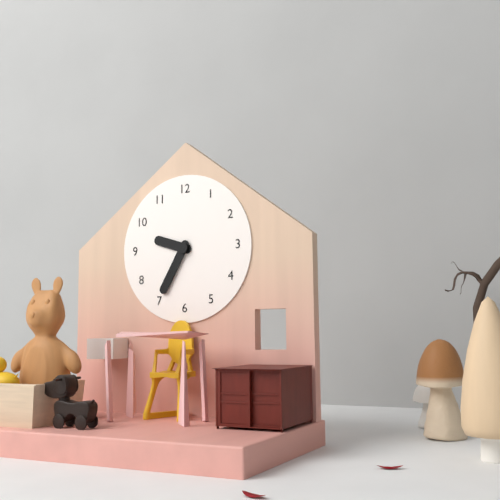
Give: 9:35
